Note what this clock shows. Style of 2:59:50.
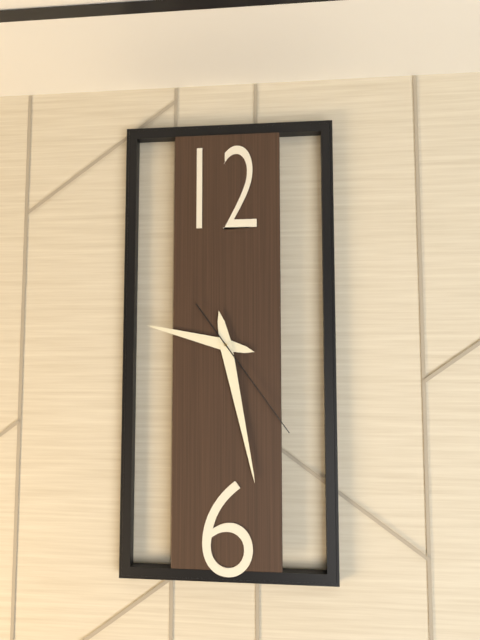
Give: 9:28:24
